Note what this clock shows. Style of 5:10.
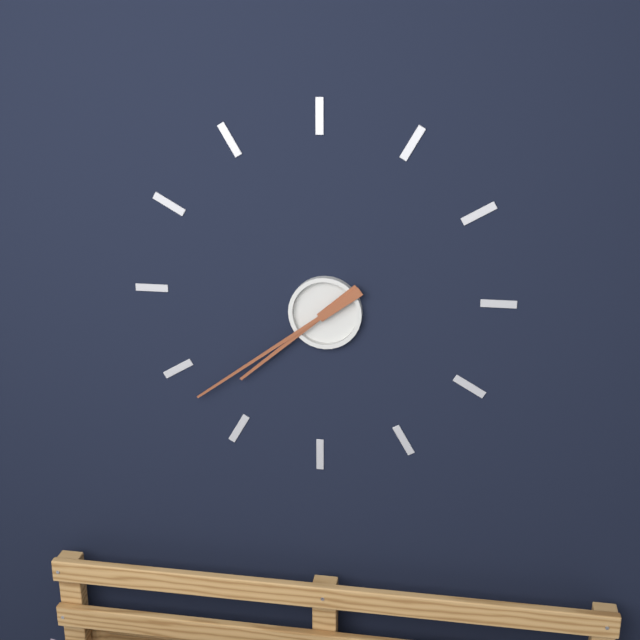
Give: 7:39
